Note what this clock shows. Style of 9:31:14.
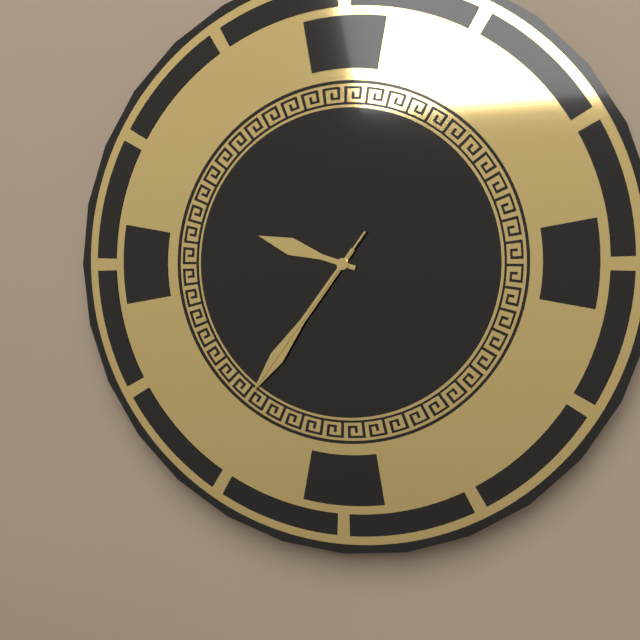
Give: 9:36:36
